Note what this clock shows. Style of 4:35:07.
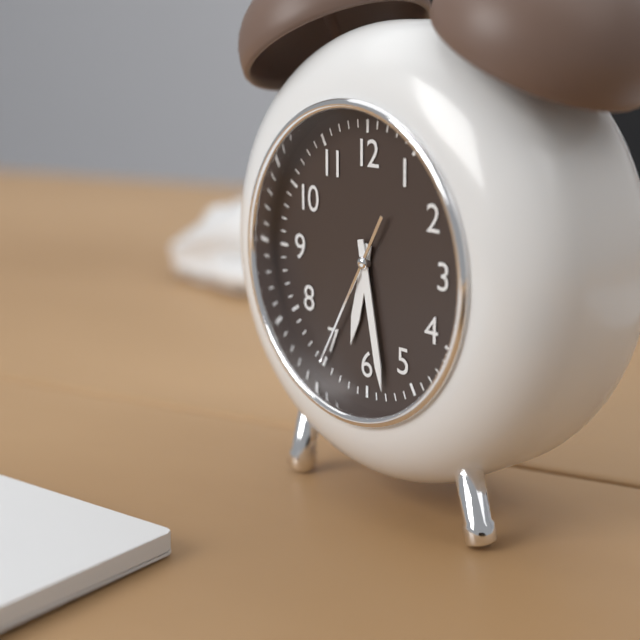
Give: 6:28:35
